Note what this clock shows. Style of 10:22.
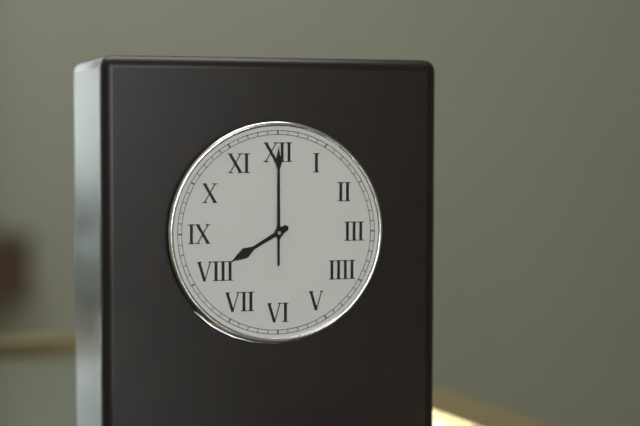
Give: 8:00
